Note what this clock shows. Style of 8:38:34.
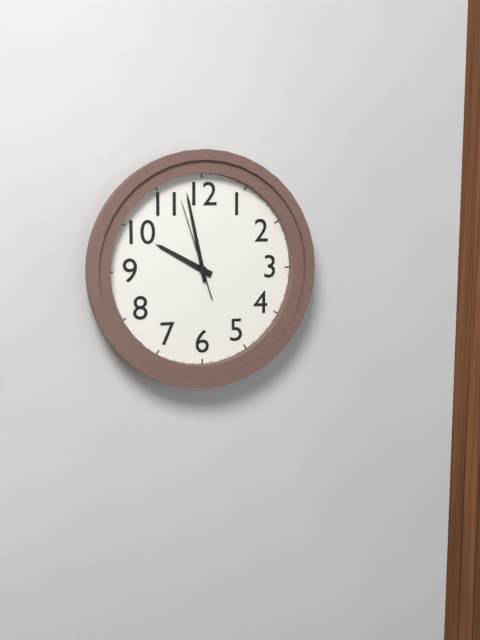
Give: 9:58:57
